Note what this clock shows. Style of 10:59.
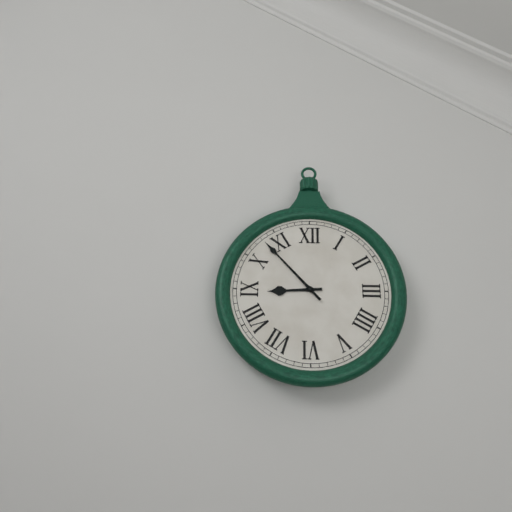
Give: 8:53
